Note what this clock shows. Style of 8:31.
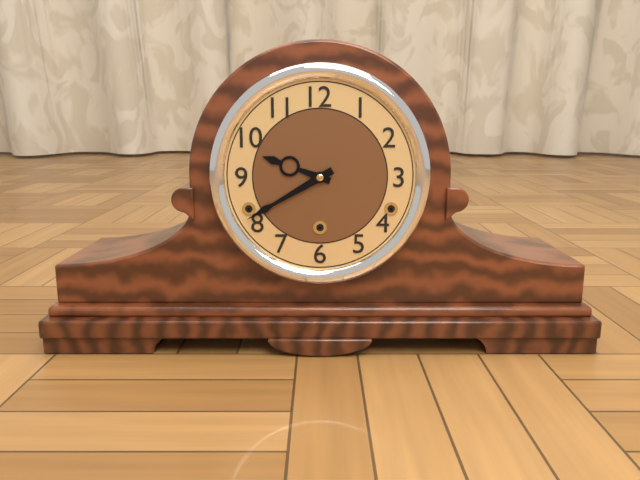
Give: 9:40
